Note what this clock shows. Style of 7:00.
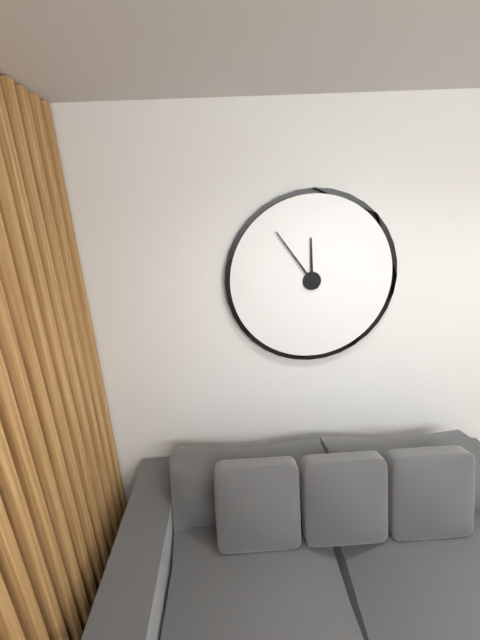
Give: 11:54
